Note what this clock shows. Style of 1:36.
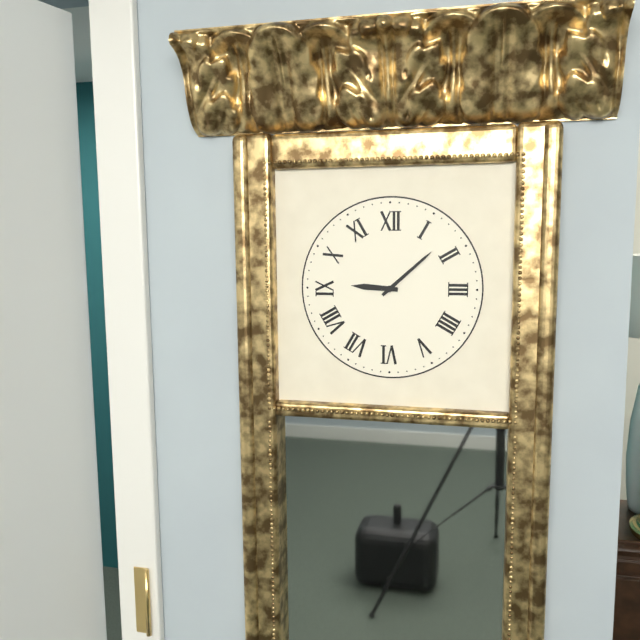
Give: 9:08
